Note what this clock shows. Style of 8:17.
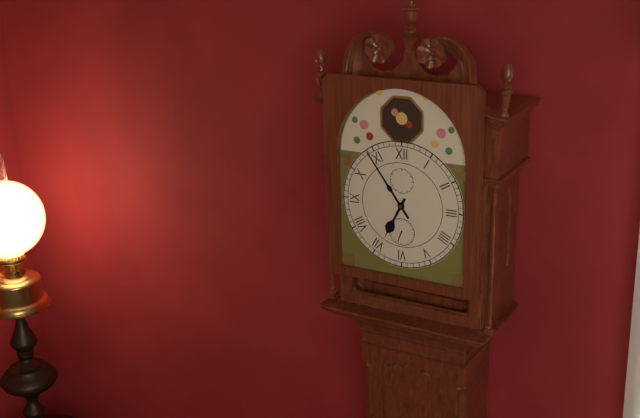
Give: 6:54
